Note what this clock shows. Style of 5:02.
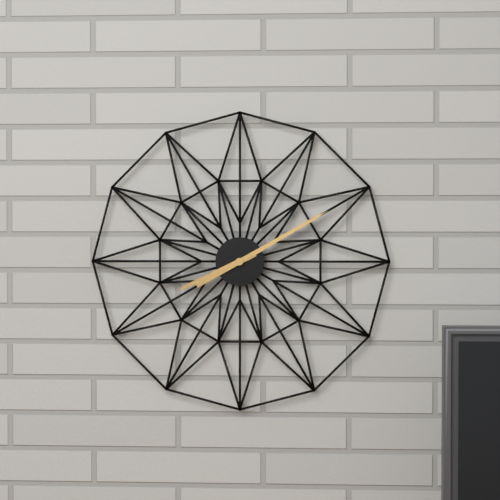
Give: 8:10
